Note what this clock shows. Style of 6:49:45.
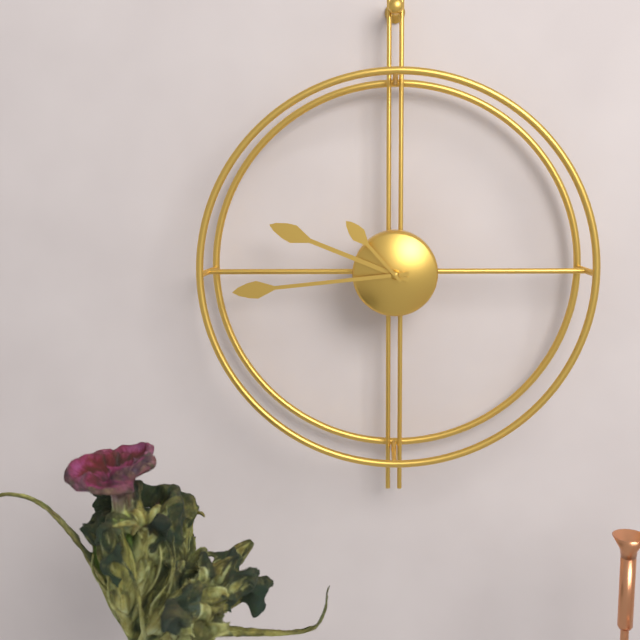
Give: 9:44:53
